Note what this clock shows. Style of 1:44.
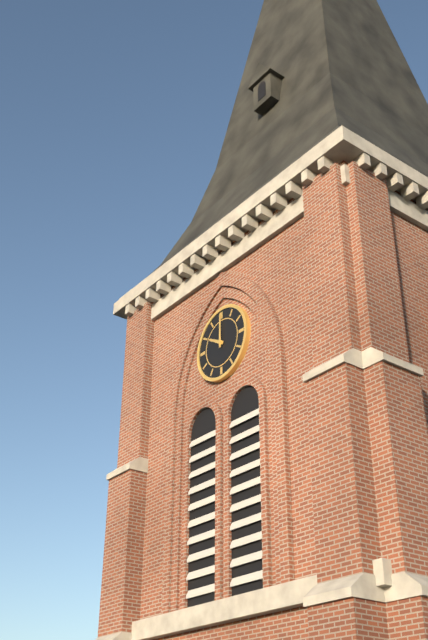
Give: 10:00
